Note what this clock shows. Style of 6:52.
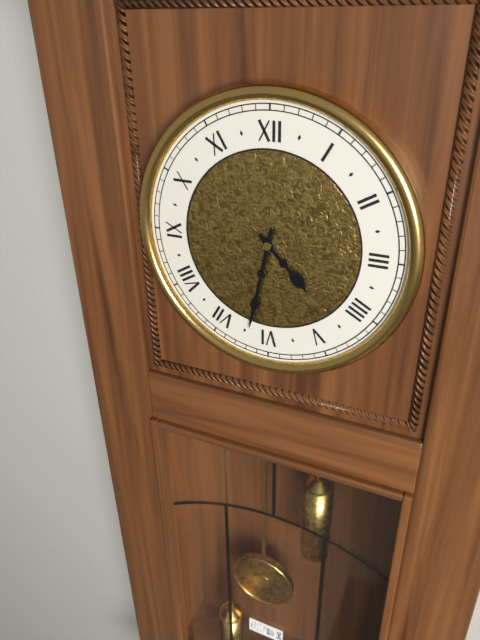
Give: 4:32
